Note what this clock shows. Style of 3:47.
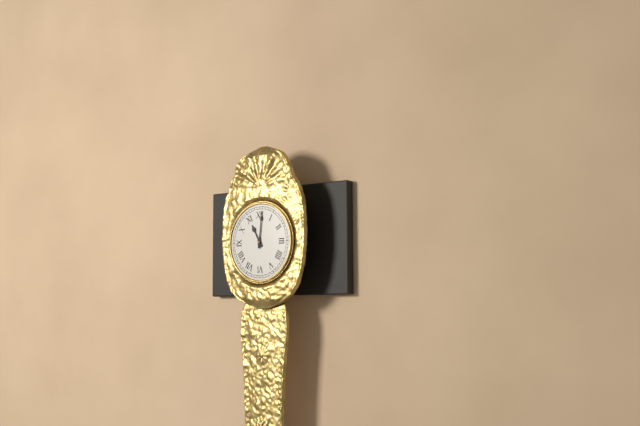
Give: 11:01
